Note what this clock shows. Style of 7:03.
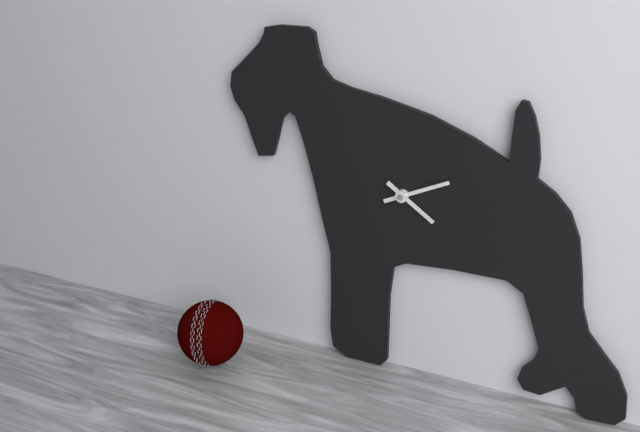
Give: 4:11
